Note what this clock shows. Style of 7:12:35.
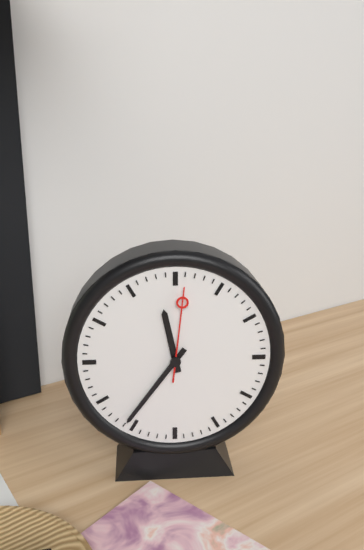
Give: 11:36:01
